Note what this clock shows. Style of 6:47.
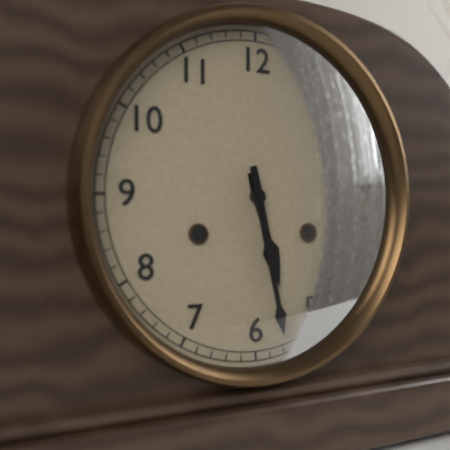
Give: 5:28
